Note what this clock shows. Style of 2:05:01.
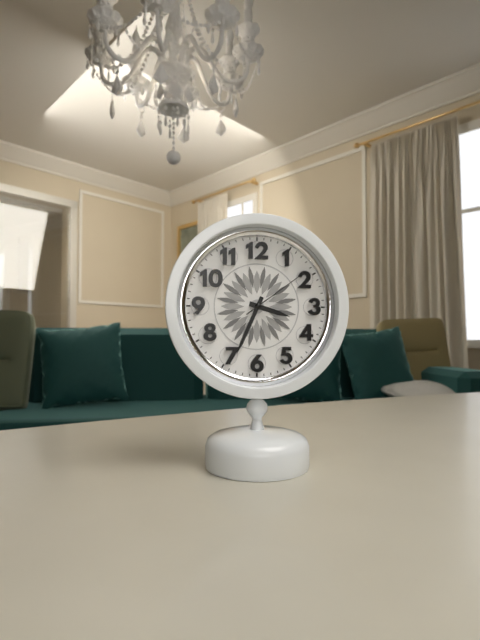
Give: 3:34:09
